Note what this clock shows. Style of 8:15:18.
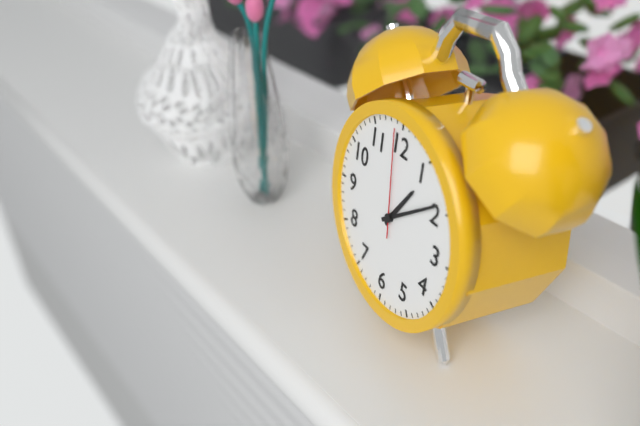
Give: 1:09:59
